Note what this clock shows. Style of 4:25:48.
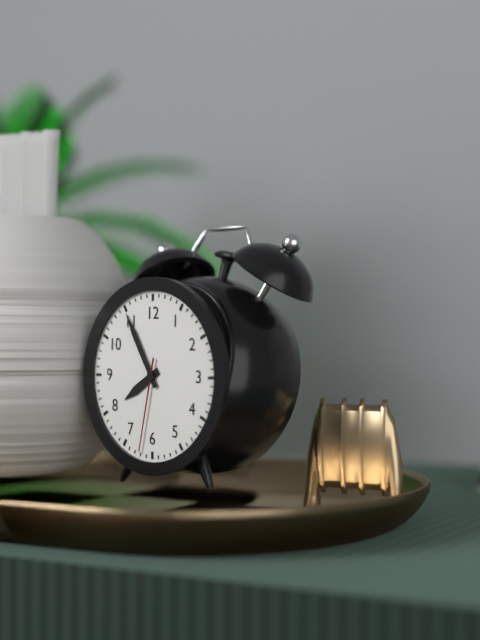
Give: 7:55:32
